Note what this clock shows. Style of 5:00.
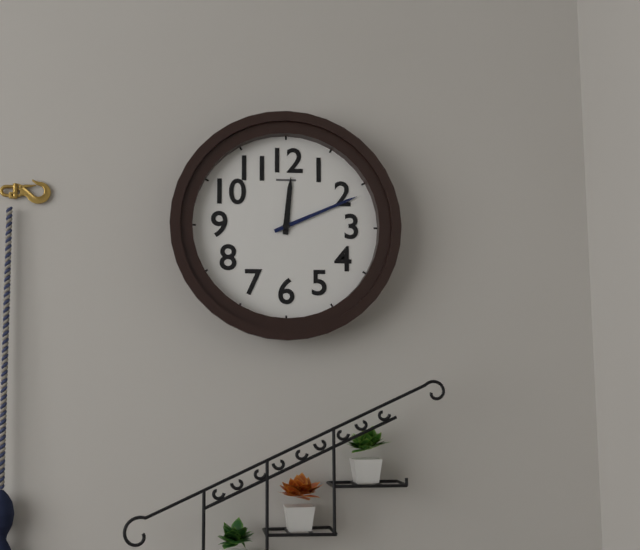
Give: 12:11
